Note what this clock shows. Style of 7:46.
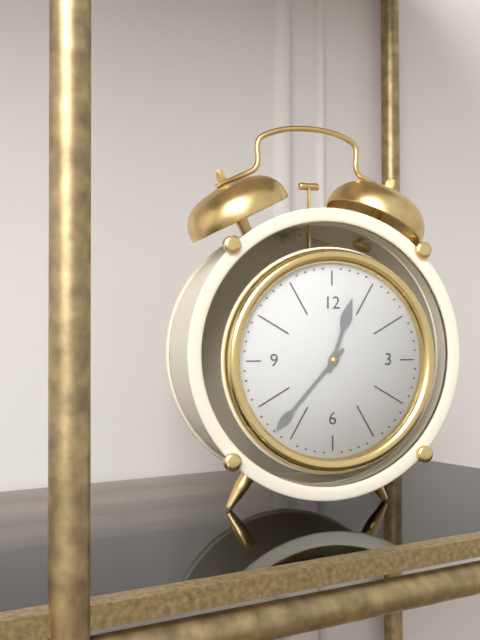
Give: 12:37
